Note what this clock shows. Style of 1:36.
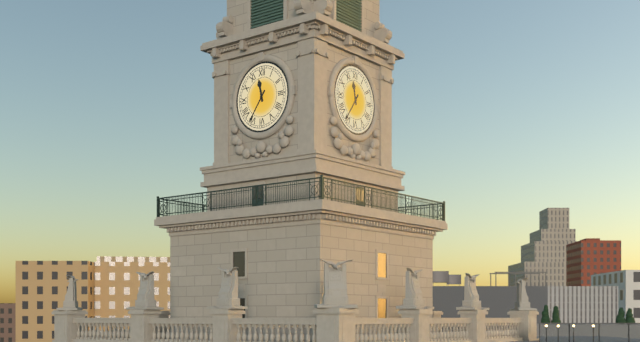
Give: 11:36
